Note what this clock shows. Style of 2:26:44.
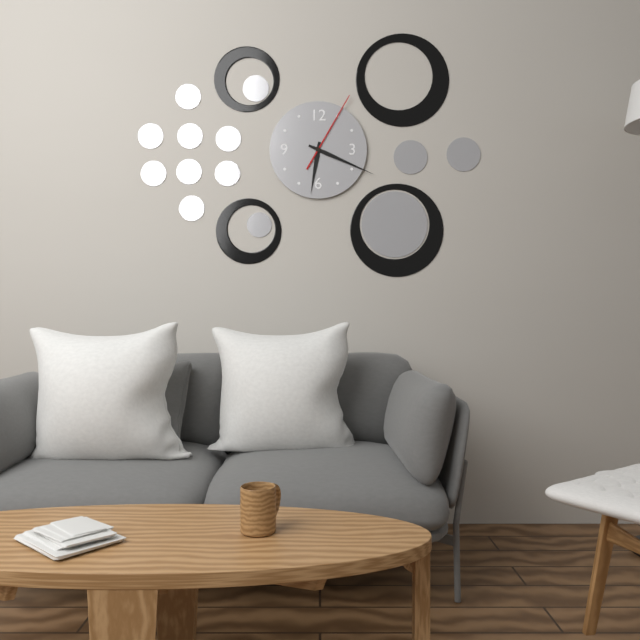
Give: 6:19:05
